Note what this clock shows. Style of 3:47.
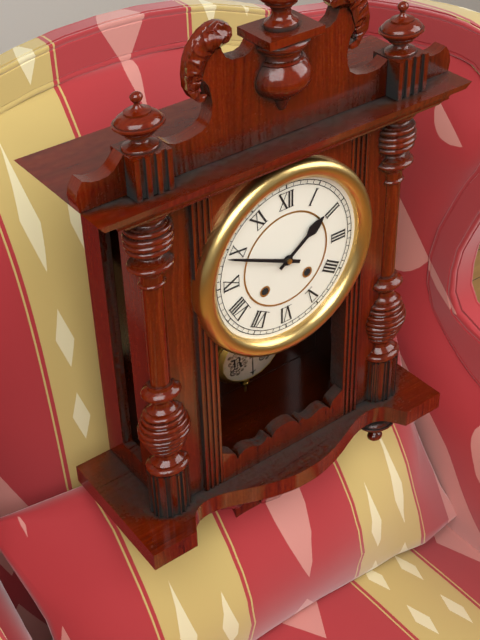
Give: 1:49
